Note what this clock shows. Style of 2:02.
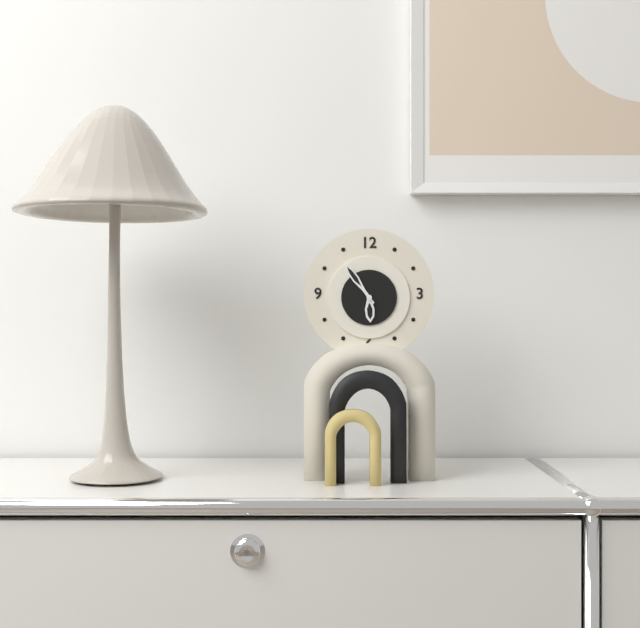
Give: 5:54
